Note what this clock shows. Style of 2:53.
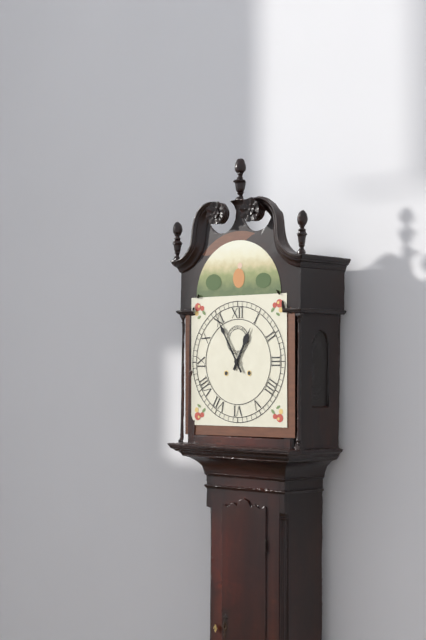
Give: 12:55
